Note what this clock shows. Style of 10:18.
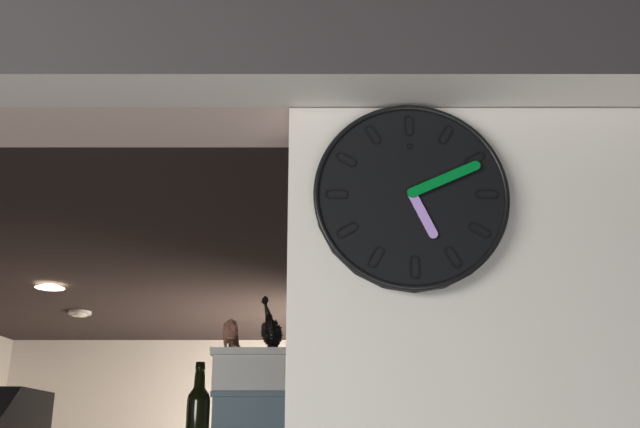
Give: 5:11
